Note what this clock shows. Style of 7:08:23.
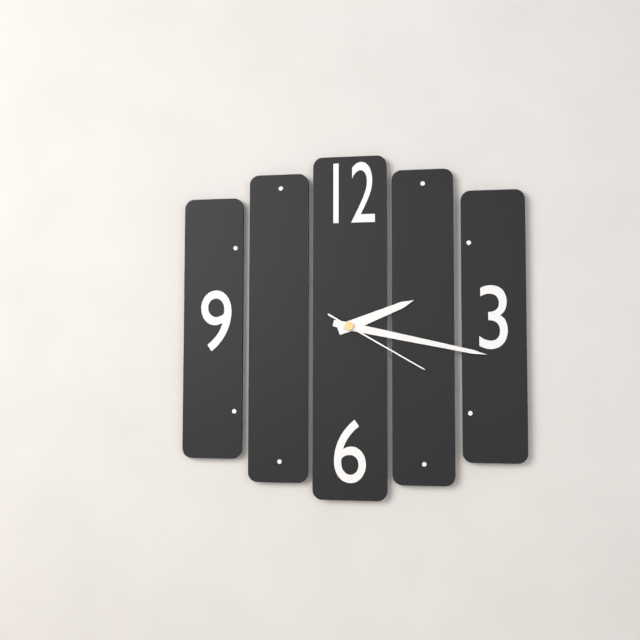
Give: 2:17:20
